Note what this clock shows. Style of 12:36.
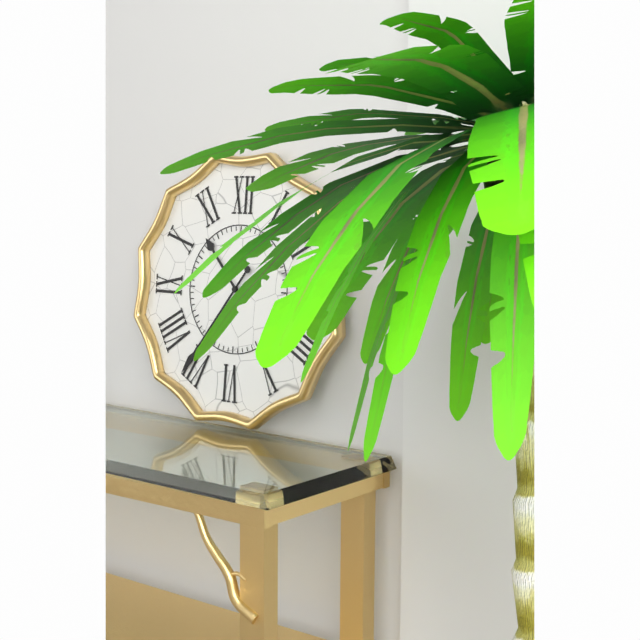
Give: 10:36
